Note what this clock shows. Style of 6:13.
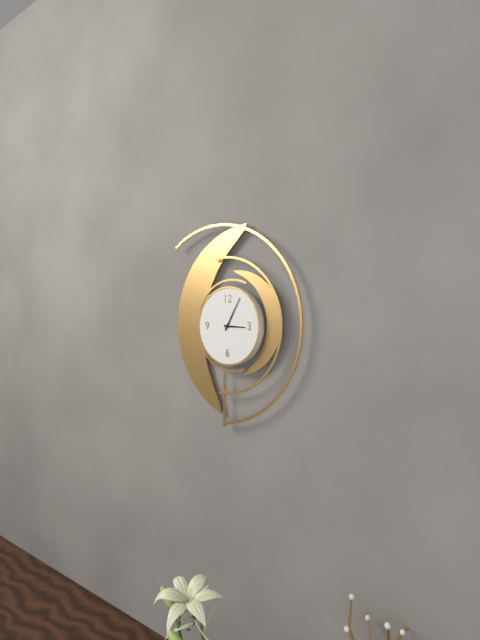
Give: 3:05
